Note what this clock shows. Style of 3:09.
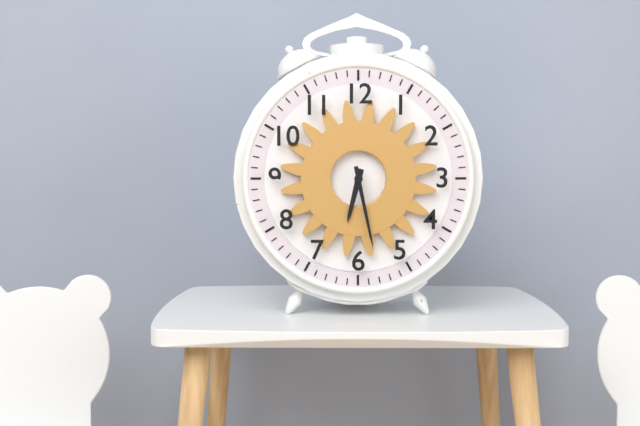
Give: 6:28
